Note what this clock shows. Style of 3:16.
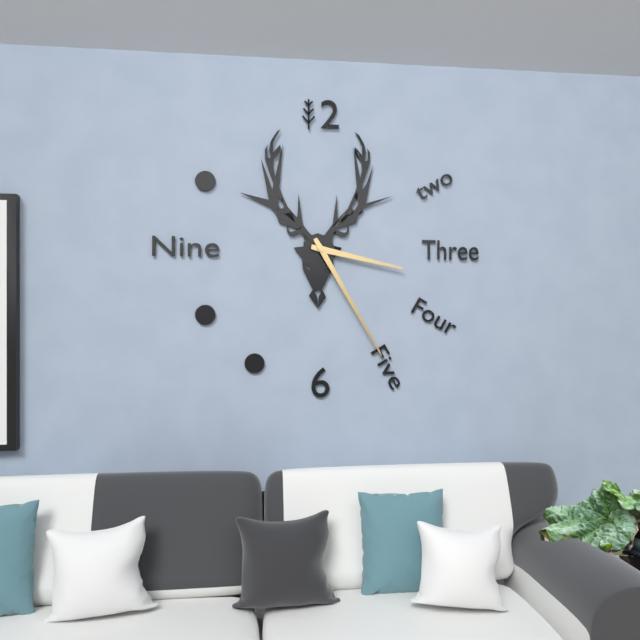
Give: 3:25
